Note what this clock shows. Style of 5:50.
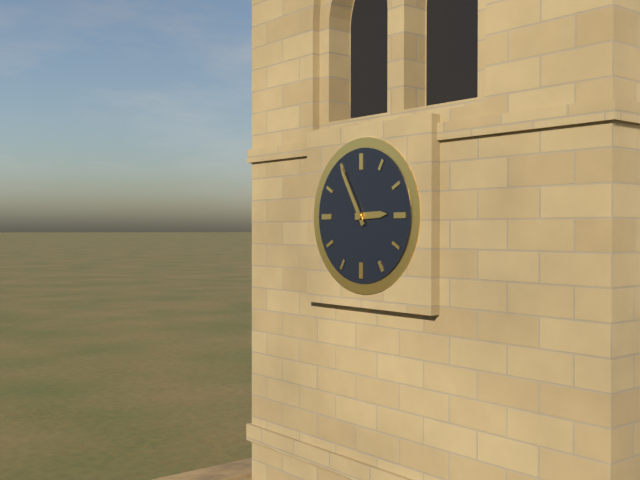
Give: 2:55
